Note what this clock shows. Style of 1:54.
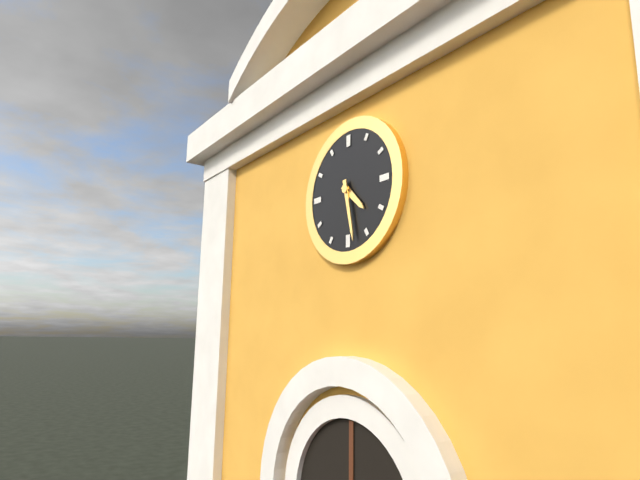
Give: 4:28
